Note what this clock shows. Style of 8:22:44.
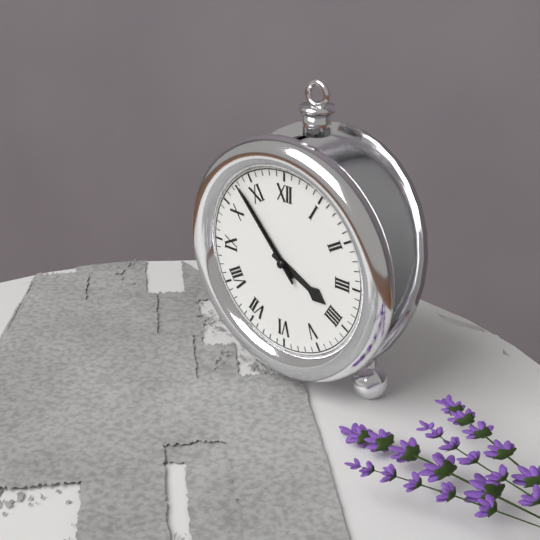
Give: 3:53:53
